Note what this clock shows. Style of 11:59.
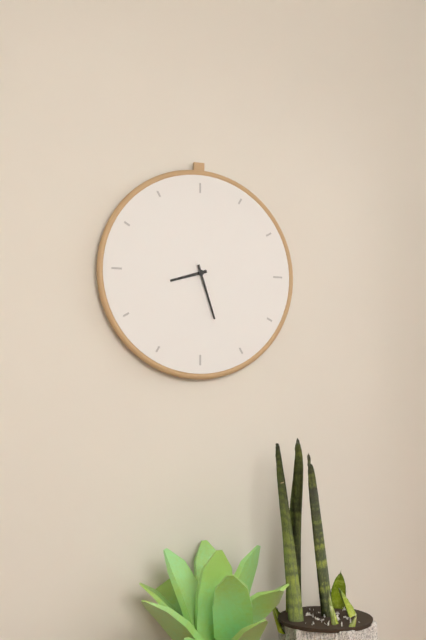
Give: 8:27
